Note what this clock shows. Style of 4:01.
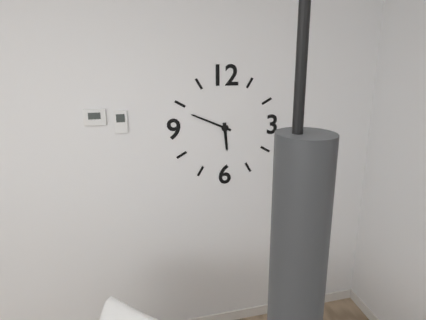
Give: 5:49
